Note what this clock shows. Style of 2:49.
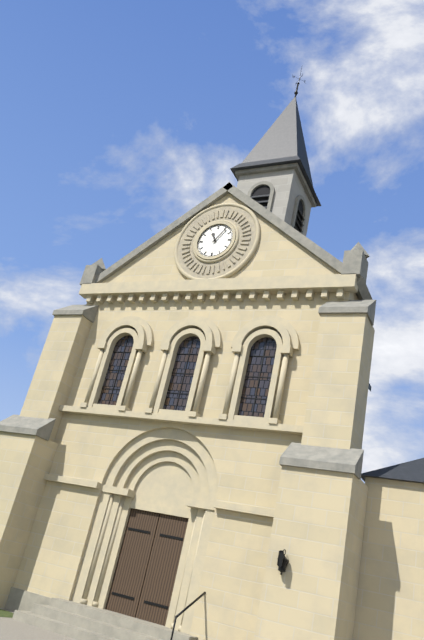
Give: 11:06
